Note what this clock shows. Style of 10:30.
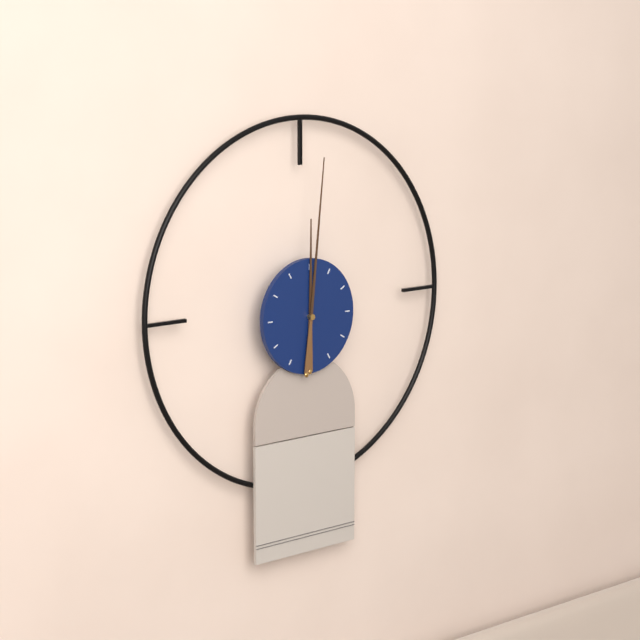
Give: 12:01
